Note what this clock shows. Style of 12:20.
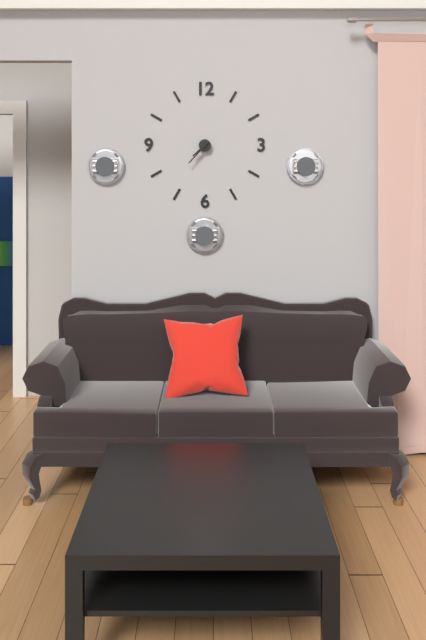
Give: 7:37
